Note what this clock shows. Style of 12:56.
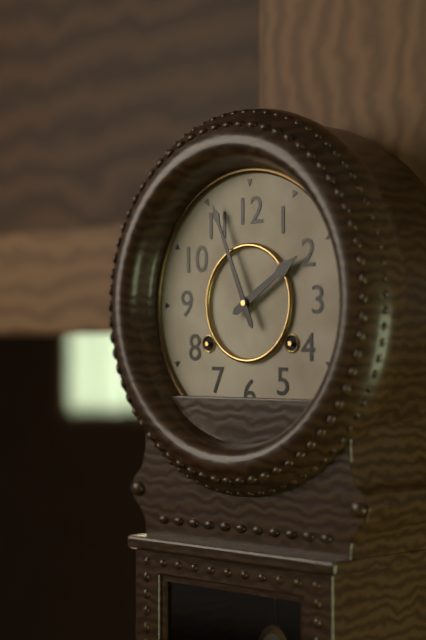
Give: 1:56
